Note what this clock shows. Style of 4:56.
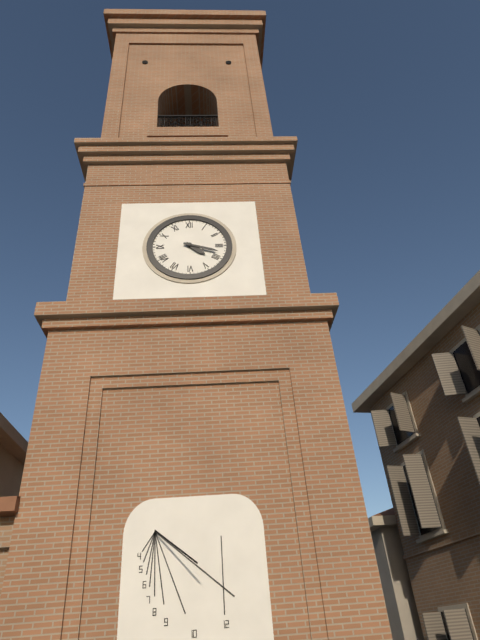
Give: 4:18
